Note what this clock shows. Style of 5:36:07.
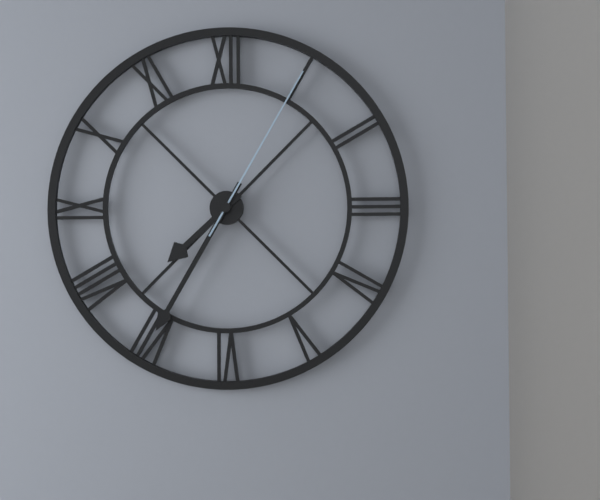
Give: 7:35:05
